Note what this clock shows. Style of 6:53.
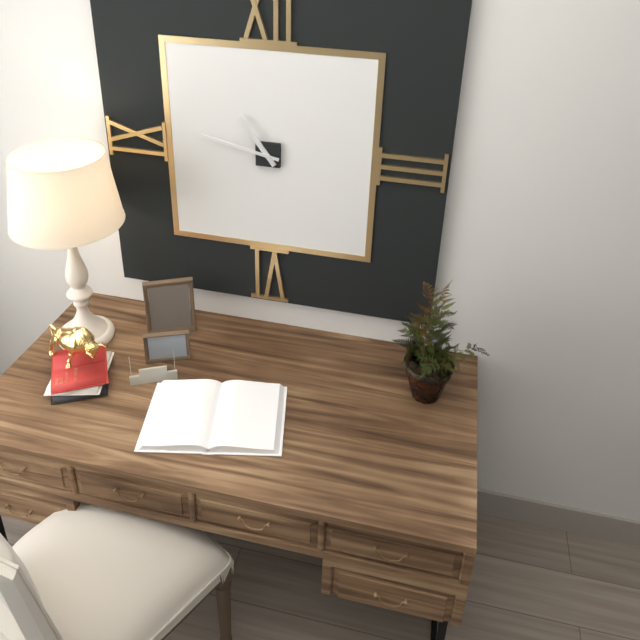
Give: 10:47
